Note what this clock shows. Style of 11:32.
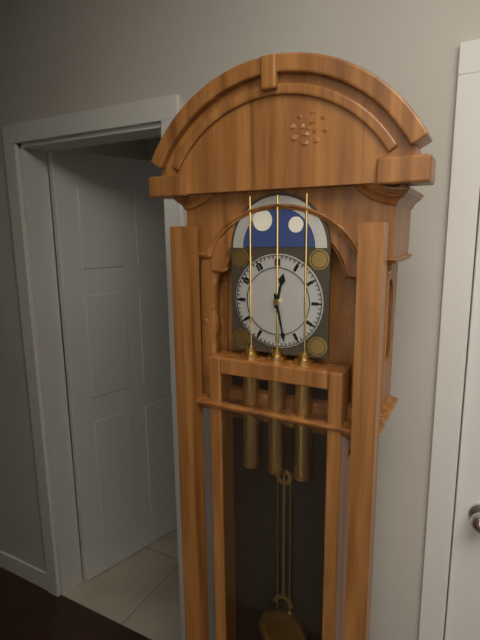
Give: 12:28
